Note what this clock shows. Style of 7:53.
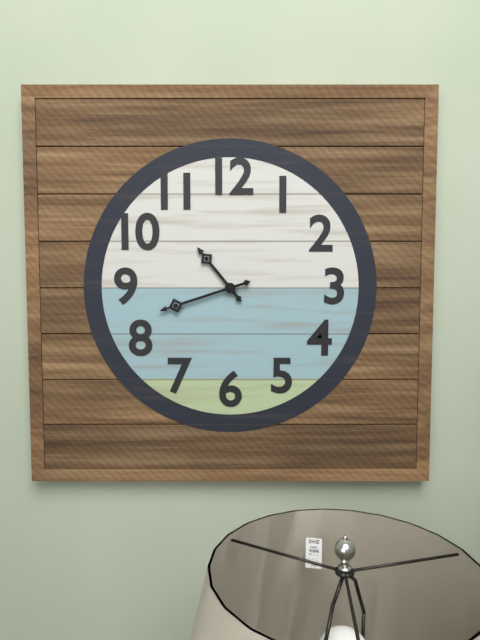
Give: 10:42
